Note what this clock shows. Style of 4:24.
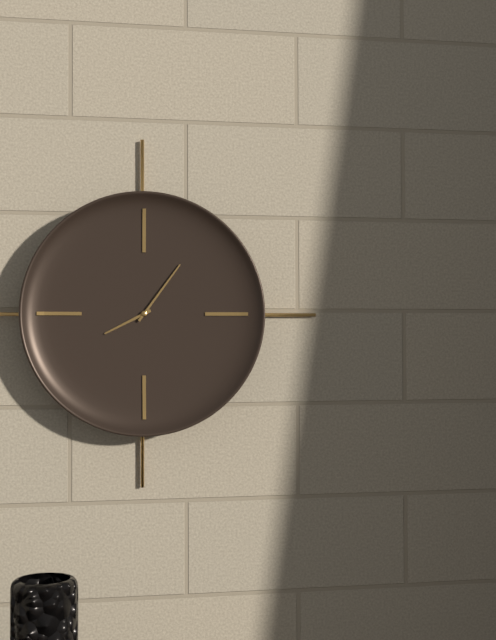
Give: 8:06
